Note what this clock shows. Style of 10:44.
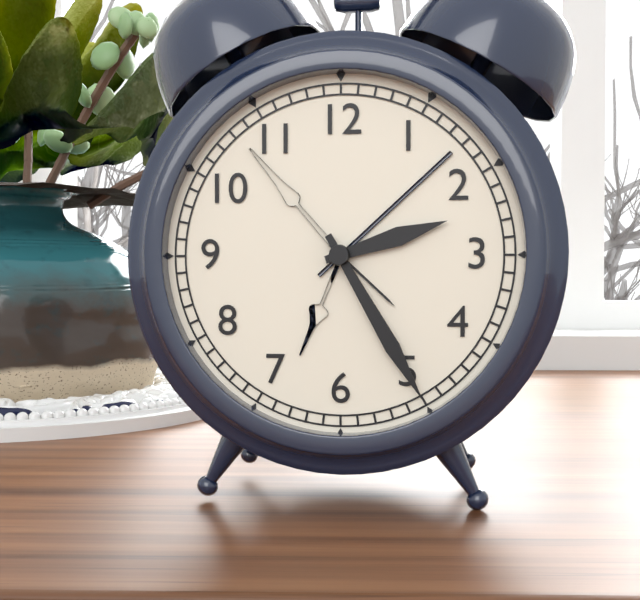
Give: 2:25
